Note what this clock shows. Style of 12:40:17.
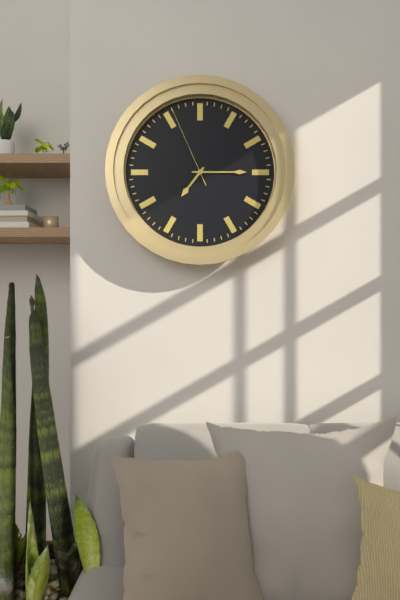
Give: 7:15:56
